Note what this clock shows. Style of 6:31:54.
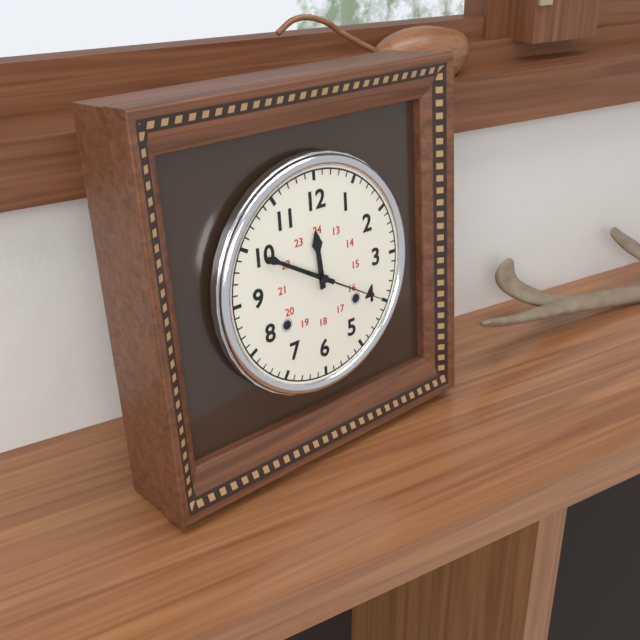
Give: 11:50:20
